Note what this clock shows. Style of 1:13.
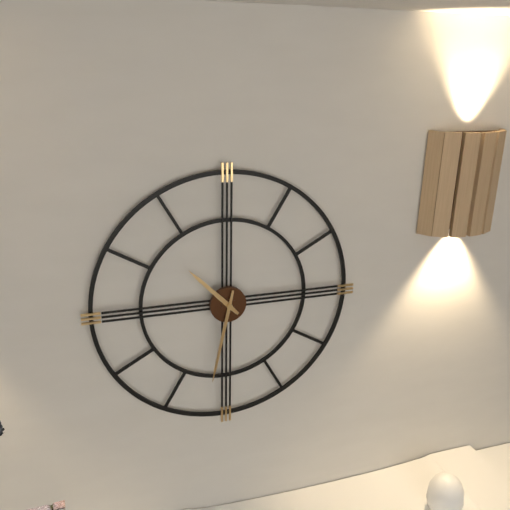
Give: 10:32
